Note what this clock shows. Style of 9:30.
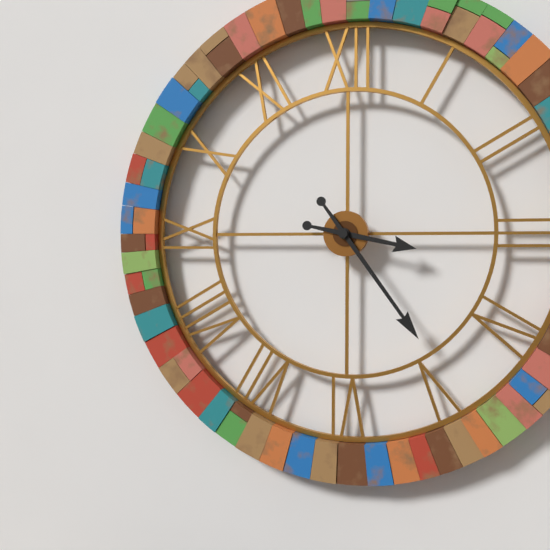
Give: 3:24
